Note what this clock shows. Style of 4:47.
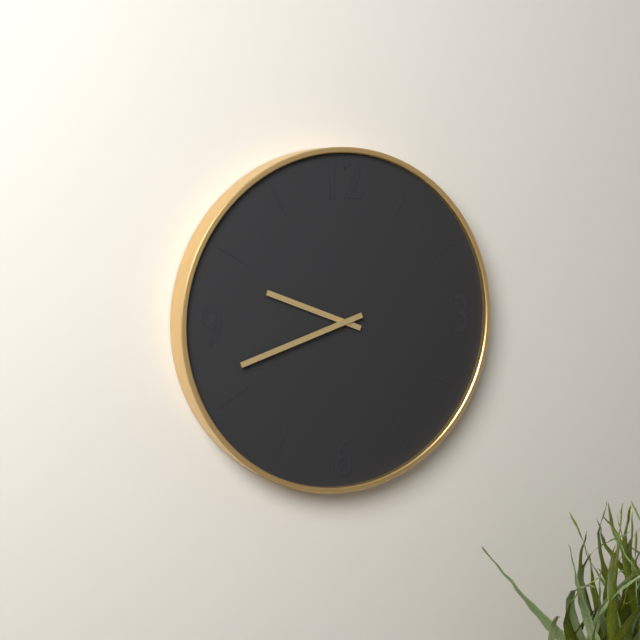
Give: 9:42
